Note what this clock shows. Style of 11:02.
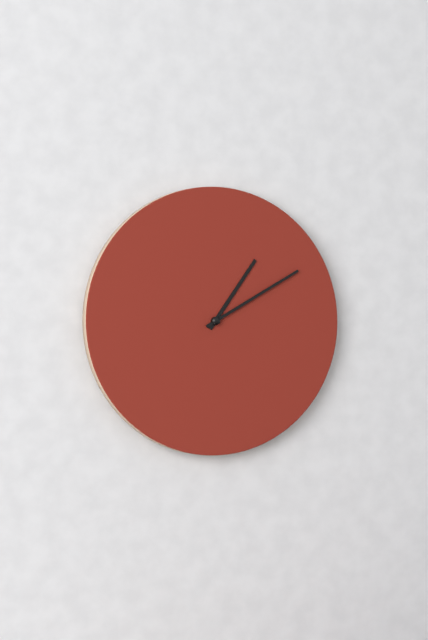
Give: 1:10
